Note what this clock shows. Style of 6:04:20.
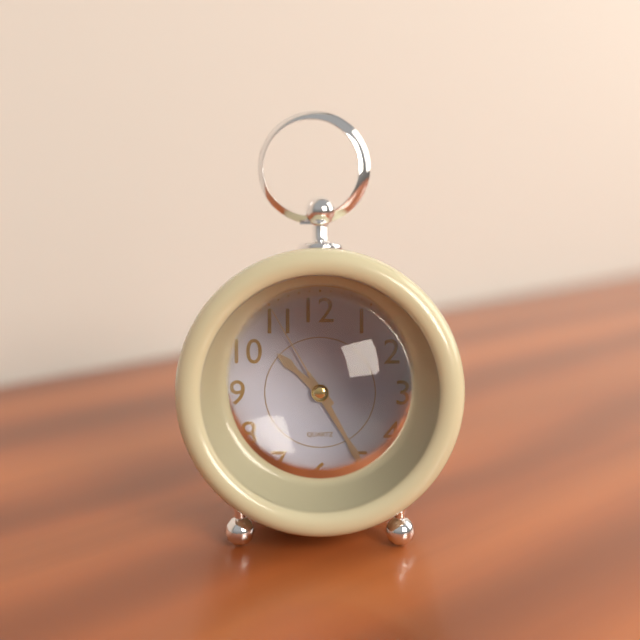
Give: 10:25:55
